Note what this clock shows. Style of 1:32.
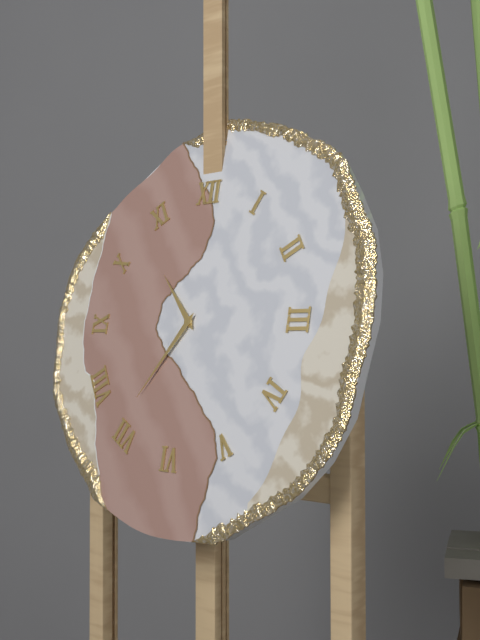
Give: 10:36
